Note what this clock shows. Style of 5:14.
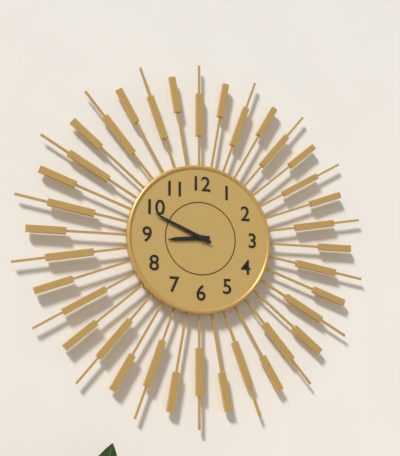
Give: 8:49
